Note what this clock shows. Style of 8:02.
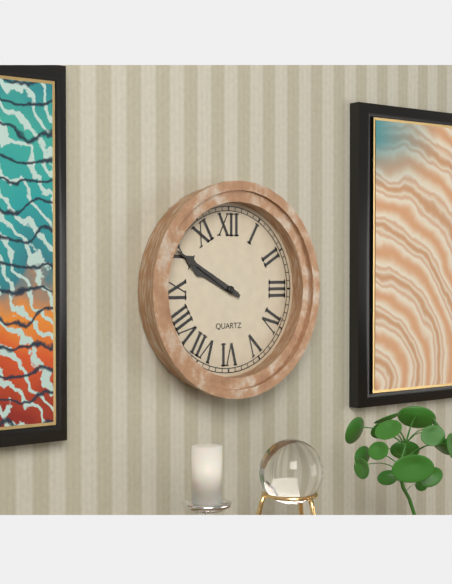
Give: 9:50
